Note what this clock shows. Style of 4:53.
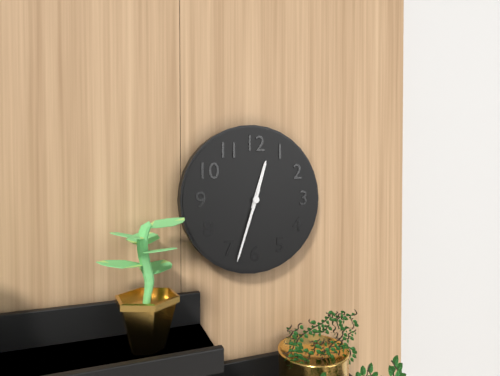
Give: 12:33
